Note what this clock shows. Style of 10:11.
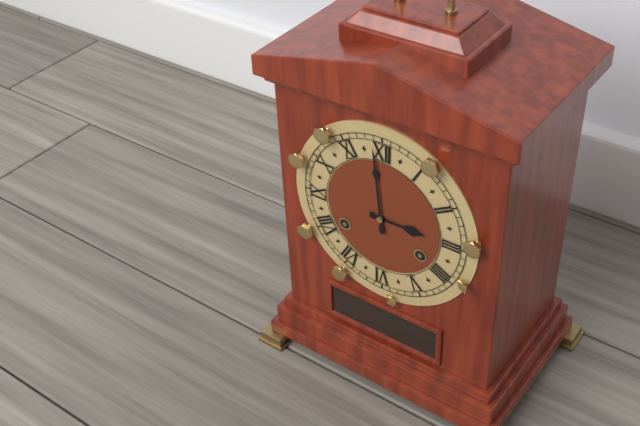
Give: 2:59
